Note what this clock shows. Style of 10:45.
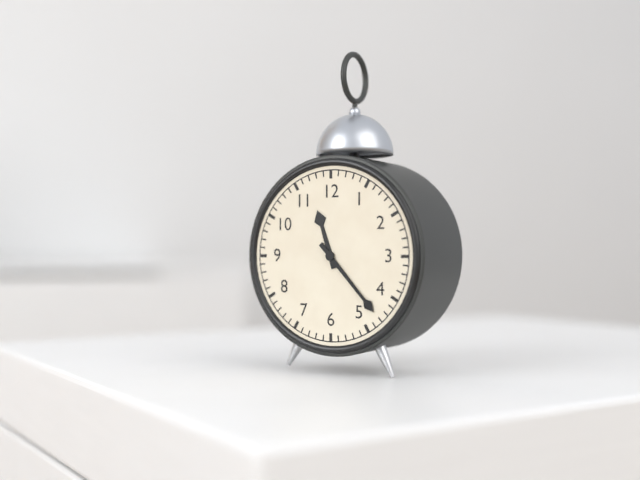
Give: 11:23
